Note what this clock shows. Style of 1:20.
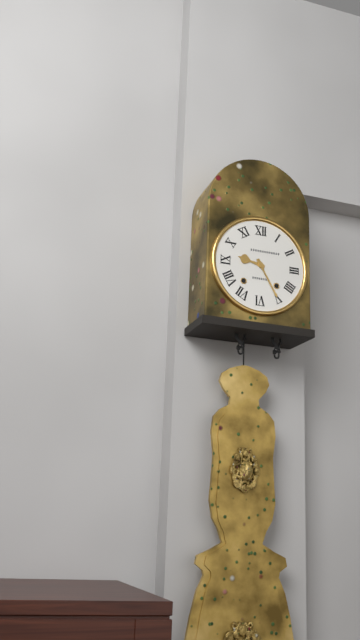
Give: 9:25
